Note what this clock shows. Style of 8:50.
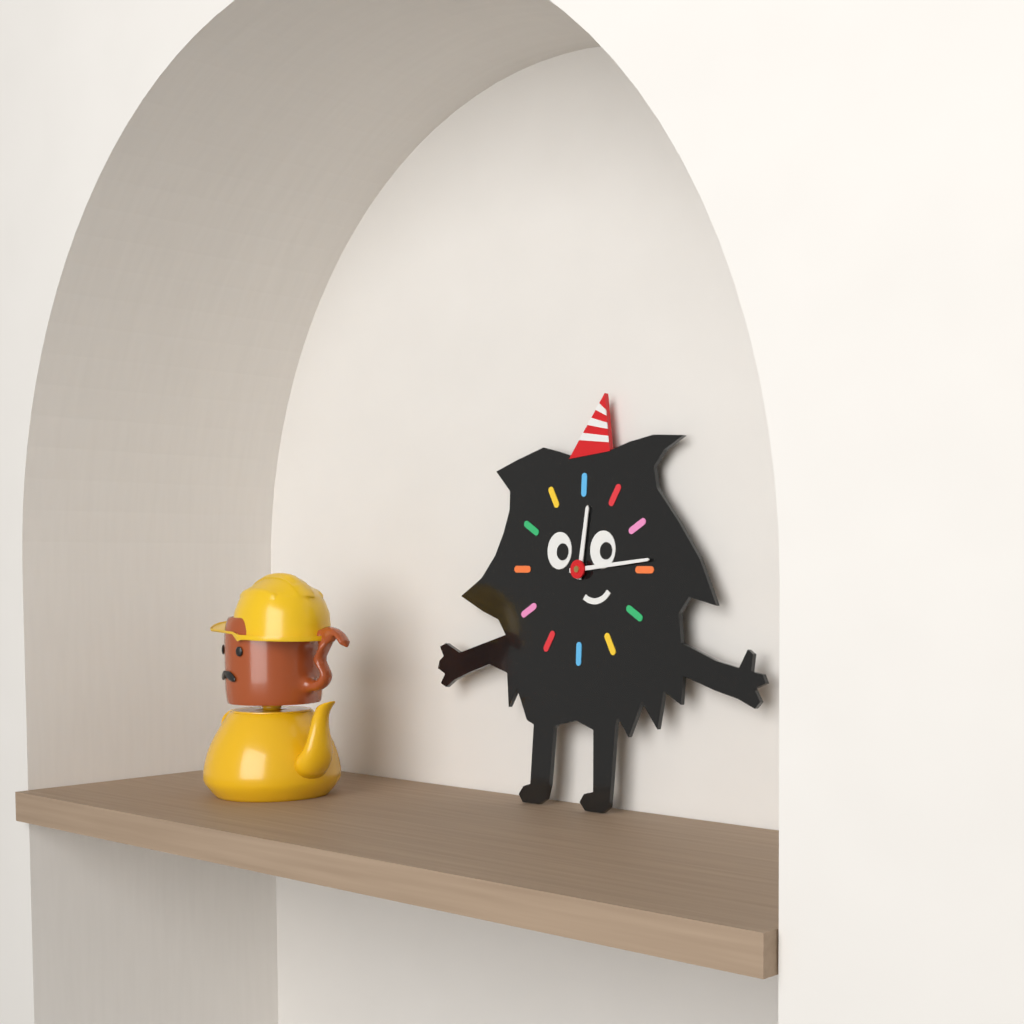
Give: 12:14
